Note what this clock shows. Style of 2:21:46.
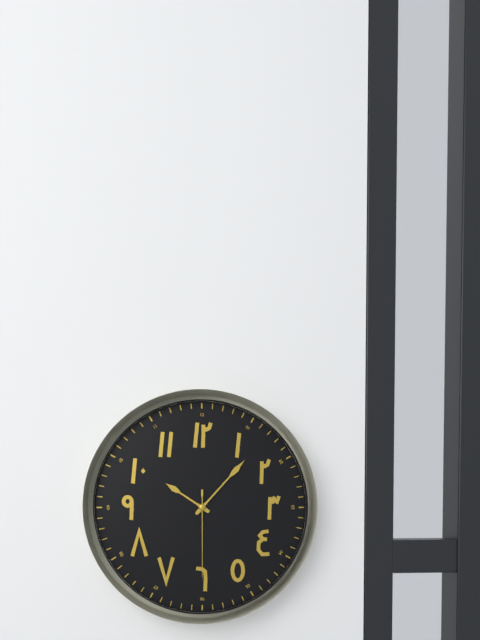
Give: 10:07:30
